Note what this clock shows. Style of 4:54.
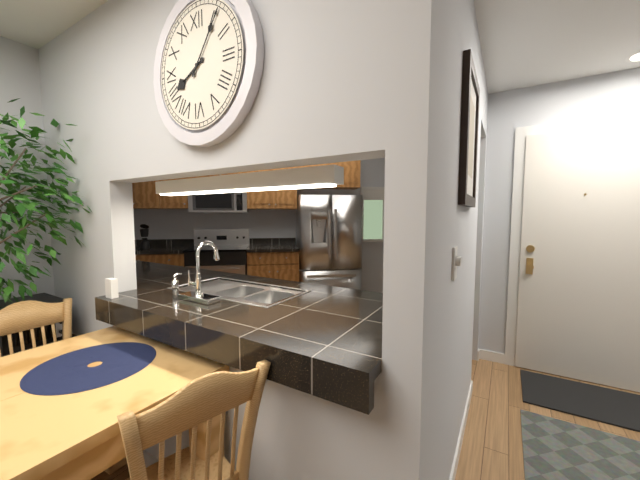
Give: 8:06
